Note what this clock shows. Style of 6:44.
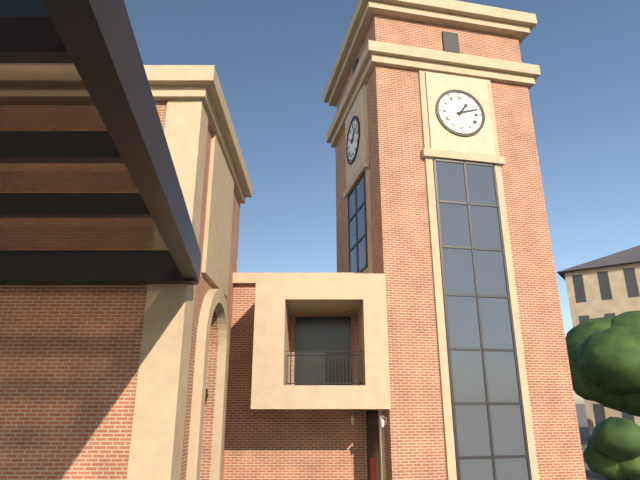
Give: 1:12
